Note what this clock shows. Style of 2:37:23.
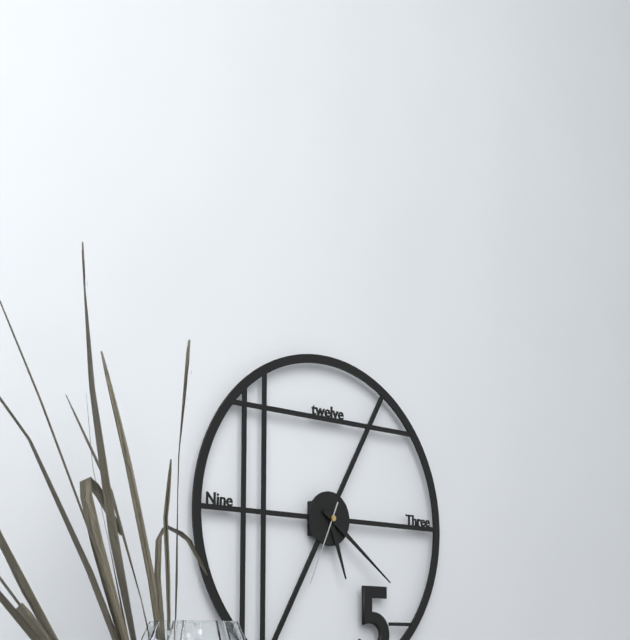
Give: 5:21:34
